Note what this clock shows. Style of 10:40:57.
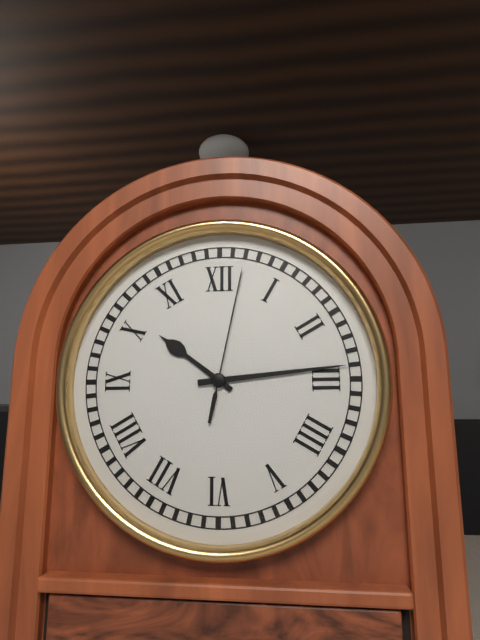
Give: 10:14:02
